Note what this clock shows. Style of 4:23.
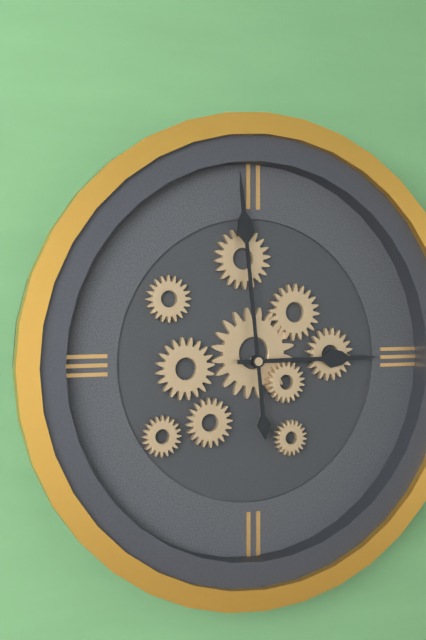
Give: 2:59
